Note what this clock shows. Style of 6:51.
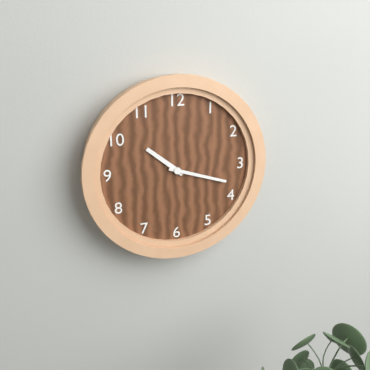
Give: 10:18
